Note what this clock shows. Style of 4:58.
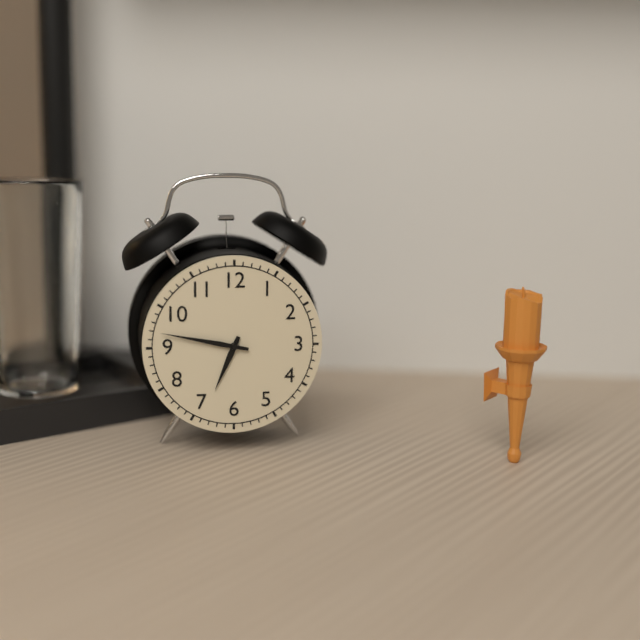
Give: 6:47
